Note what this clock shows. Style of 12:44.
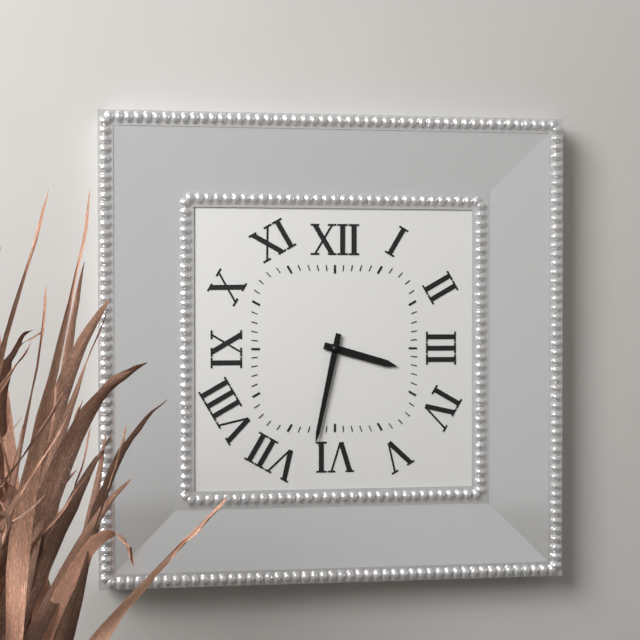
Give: 3:32
